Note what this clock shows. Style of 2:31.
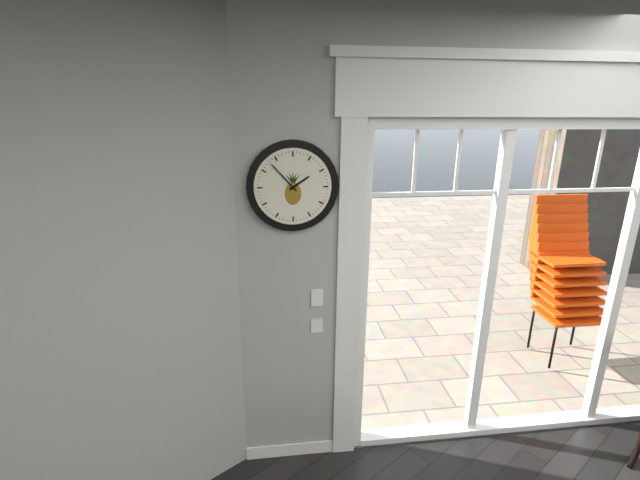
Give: 1:53
